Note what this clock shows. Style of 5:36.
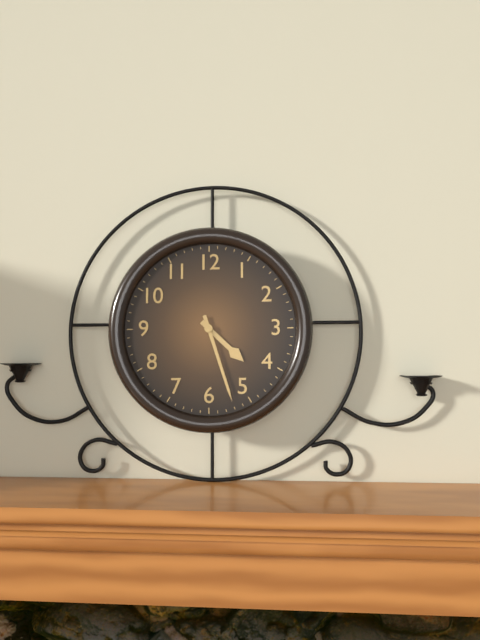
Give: 4:27
